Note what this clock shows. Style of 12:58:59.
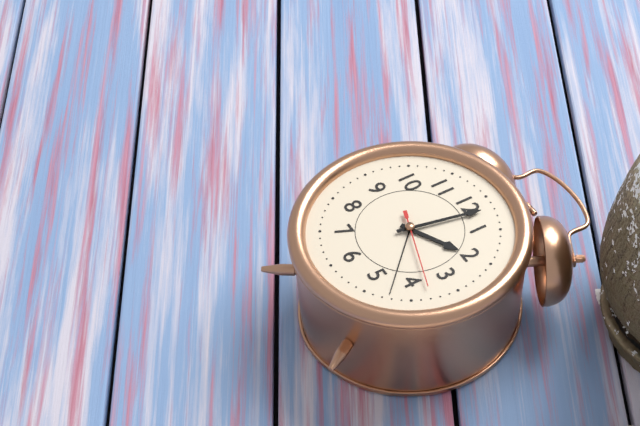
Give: 2:02:18
